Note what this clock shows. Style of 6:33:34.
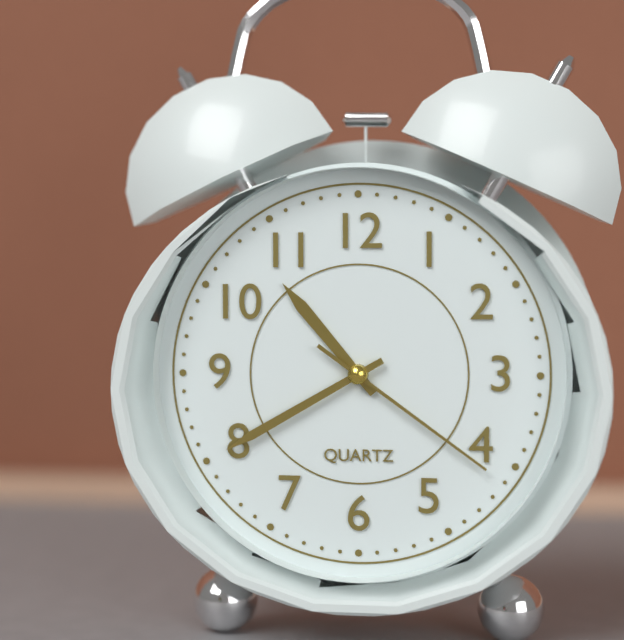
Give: 10:40:21
